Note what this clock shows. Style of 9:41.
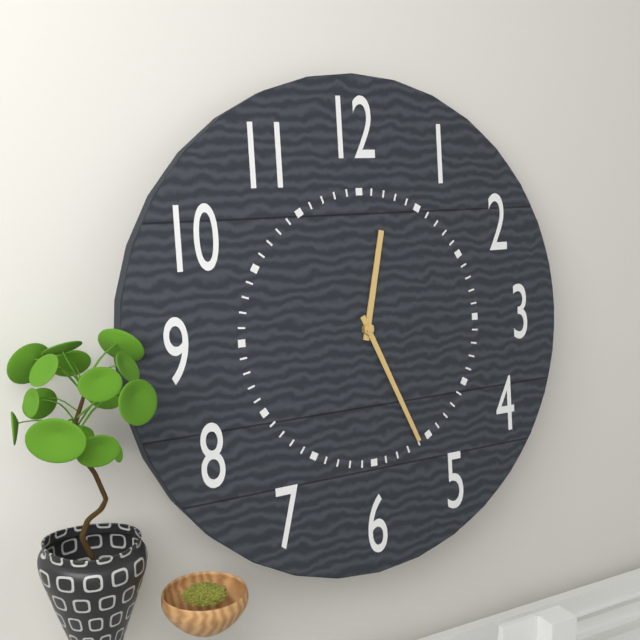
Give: 12:26
